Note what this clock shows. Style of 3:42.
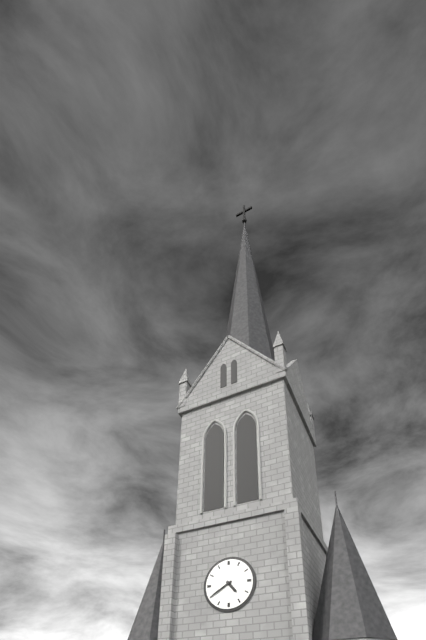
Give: 4:40
